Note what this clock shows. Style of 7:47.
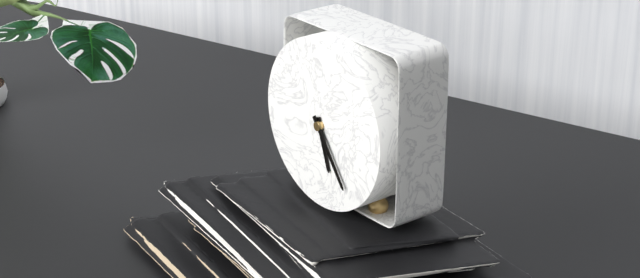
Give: 5:24
